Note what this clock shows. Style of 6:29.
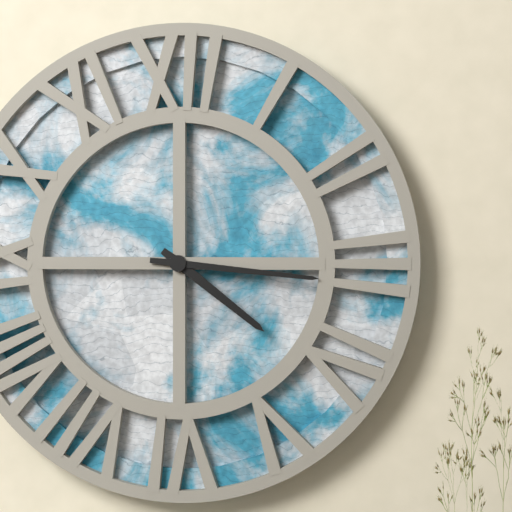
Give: 4:16
